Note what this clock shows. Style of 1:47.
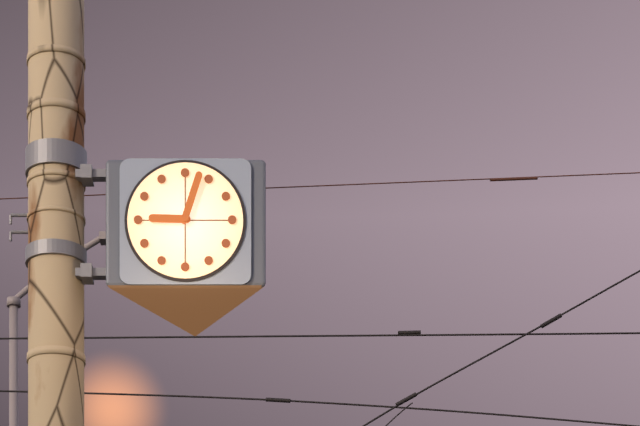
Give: 9:03
